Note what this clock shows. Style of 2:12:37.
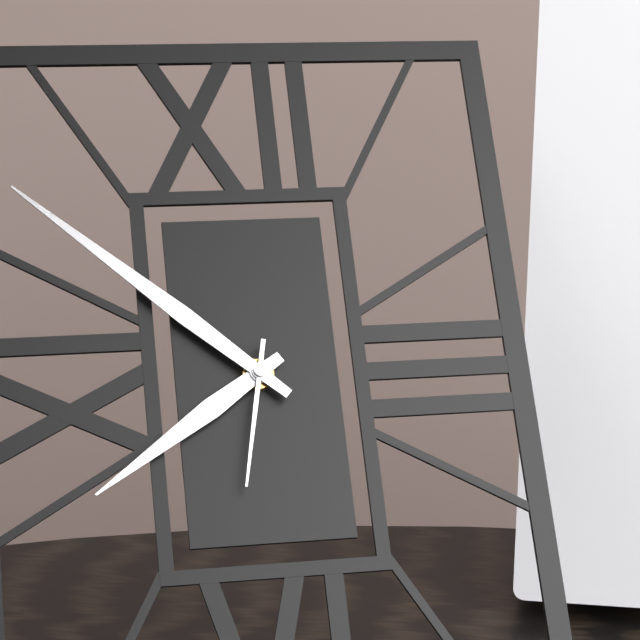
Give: 7:52:32
